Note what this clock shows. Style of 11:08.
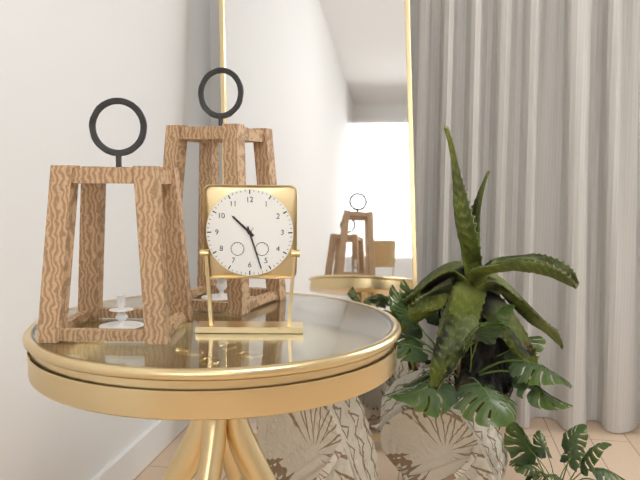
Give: 10:27
